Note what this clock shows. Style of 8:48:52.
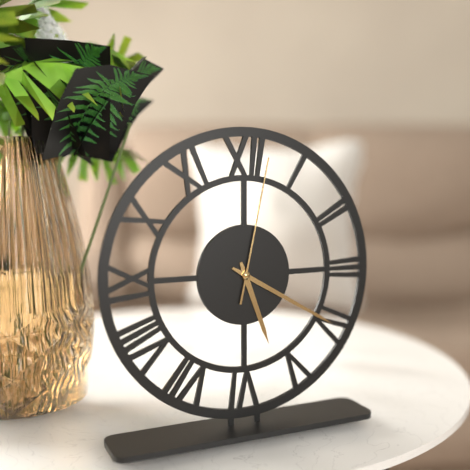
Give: 5:20:02
